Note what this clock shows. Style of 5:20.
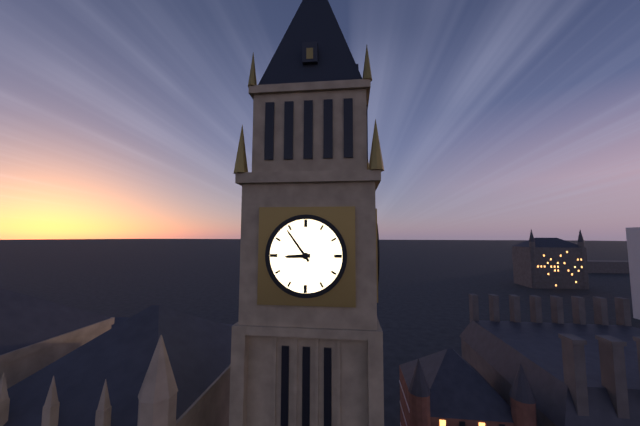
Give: 8:54
